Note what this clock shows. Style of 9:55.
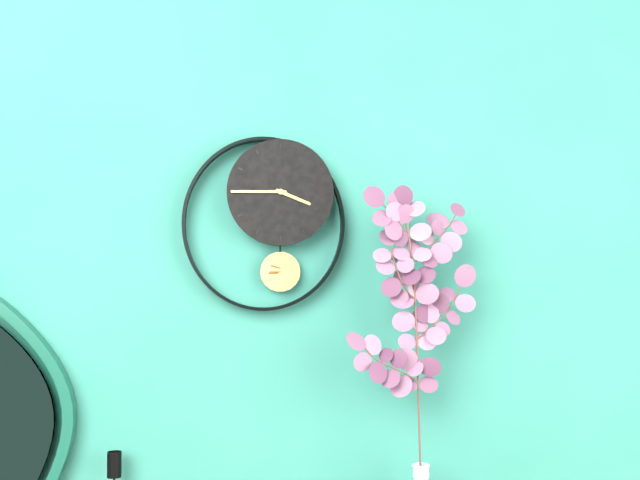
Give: 3:45
